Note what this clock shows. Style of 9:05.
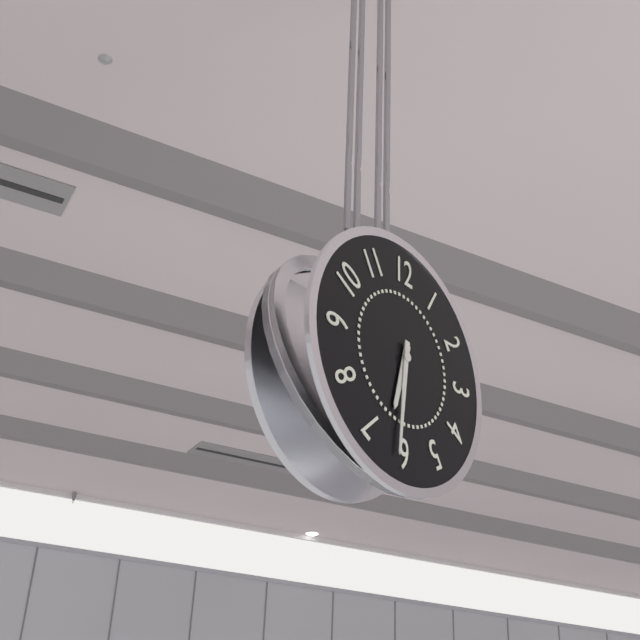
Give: 6:31
